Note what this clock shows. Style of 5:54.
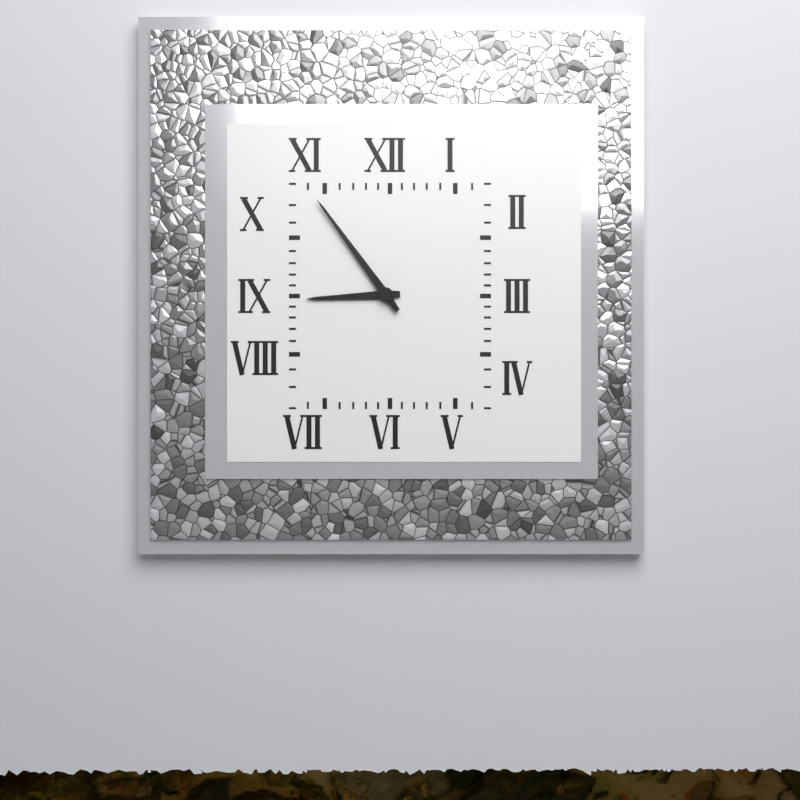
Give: 8:54
